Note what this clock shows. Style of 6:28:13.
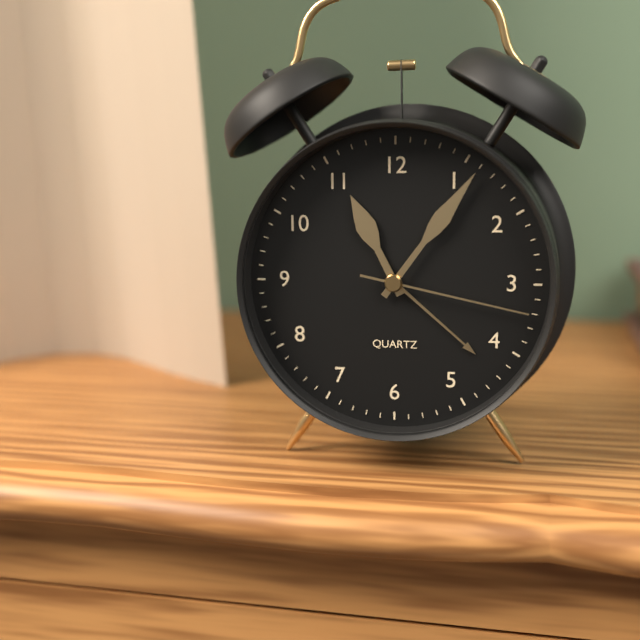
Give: 11:06:17
